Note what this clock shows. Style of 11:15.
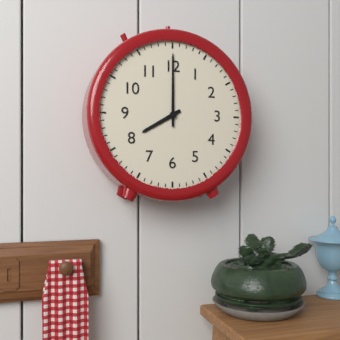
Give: 8:00
